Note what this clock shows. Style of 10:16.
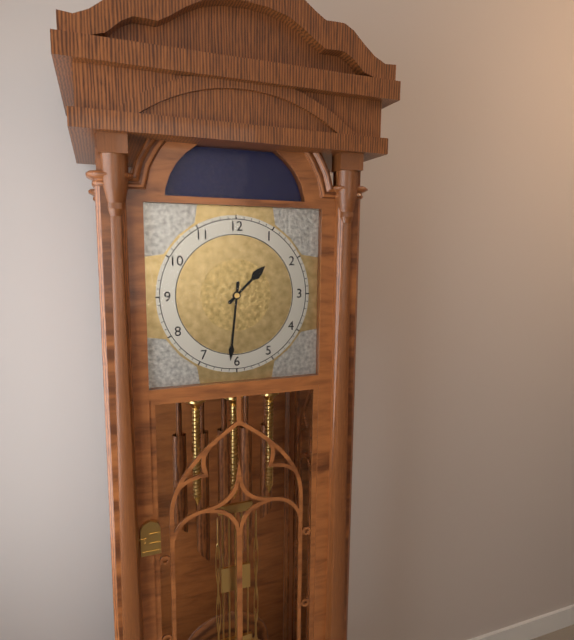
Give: 1:31
